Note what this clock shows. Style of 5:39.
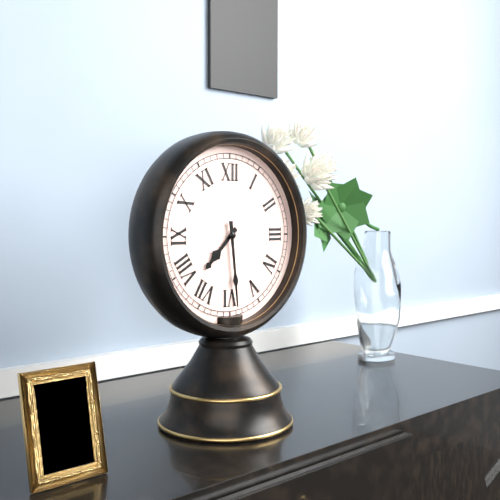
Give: 7:29
